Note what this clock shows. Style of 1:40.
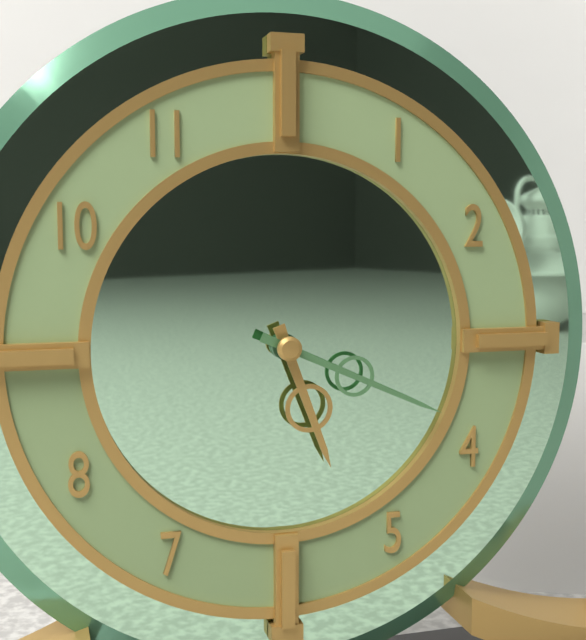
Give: 5:19
